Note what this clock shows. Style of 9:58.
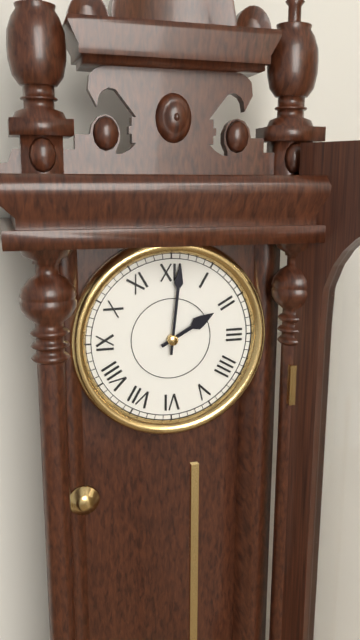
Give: 2:01
